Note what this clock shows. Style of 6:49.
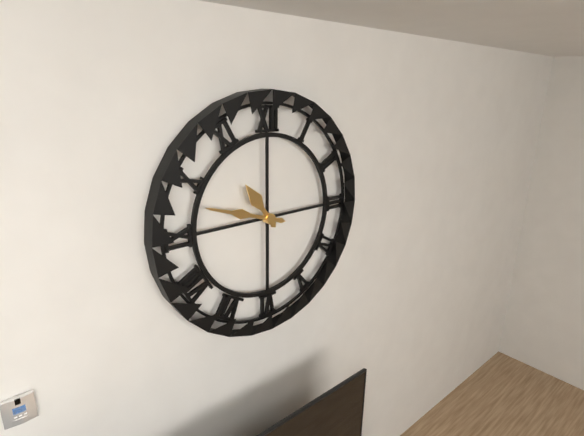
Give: 10:48
